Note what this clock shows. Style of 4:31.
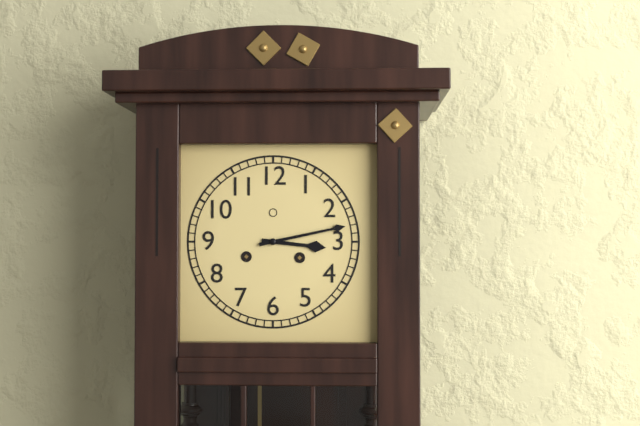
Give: 3:13
